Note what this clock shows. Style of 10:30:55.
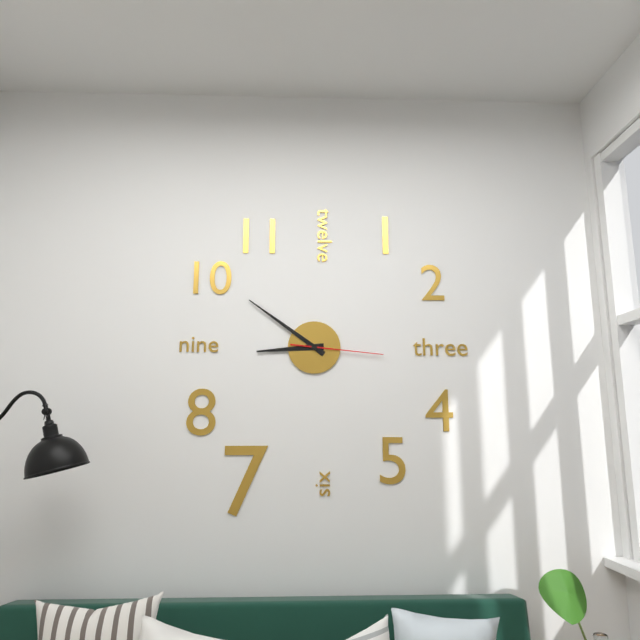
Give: 8:51:16
